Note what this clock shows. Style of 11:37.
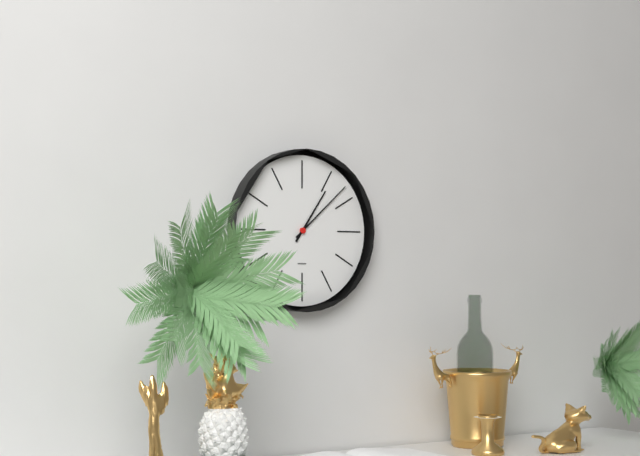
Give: 1:08
